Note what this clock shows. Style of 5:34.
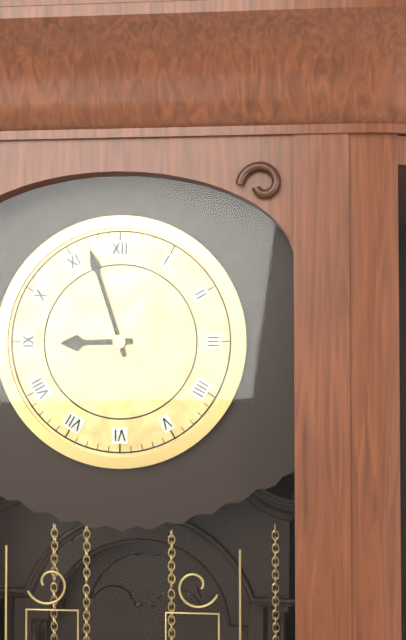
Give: 8:57
